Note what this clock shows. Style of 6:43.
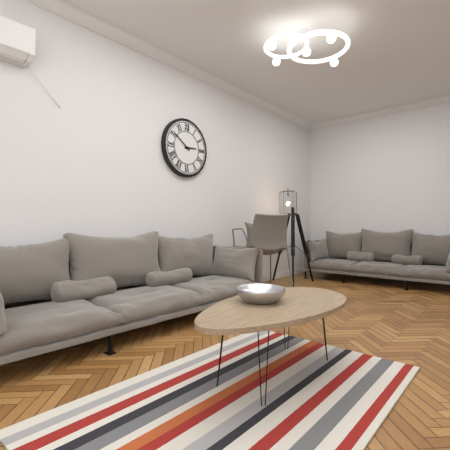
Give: 2:51
